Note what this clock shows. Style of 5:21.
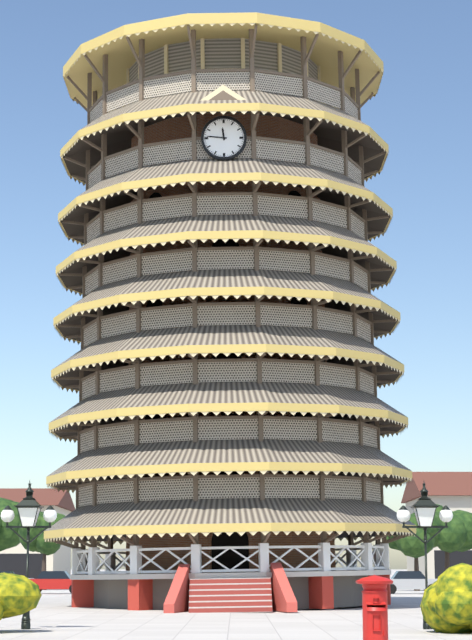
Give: 11:46
